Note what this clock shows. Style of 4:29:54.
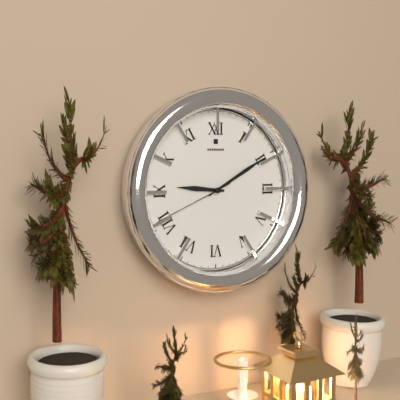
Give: 9:10:41
